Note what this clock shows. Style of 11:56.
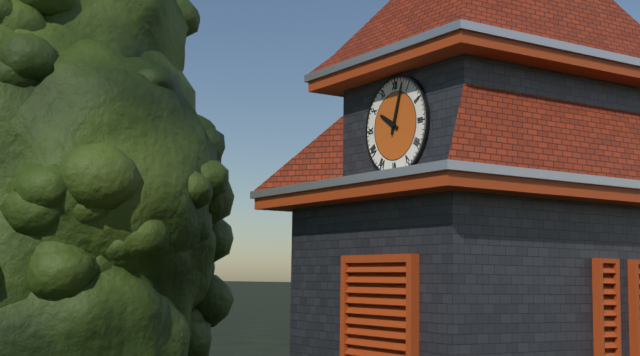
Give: 10:03
